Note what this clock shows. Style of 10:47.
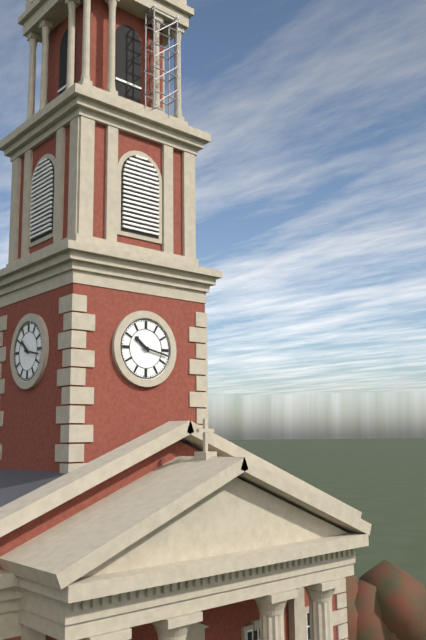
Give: 10:17
